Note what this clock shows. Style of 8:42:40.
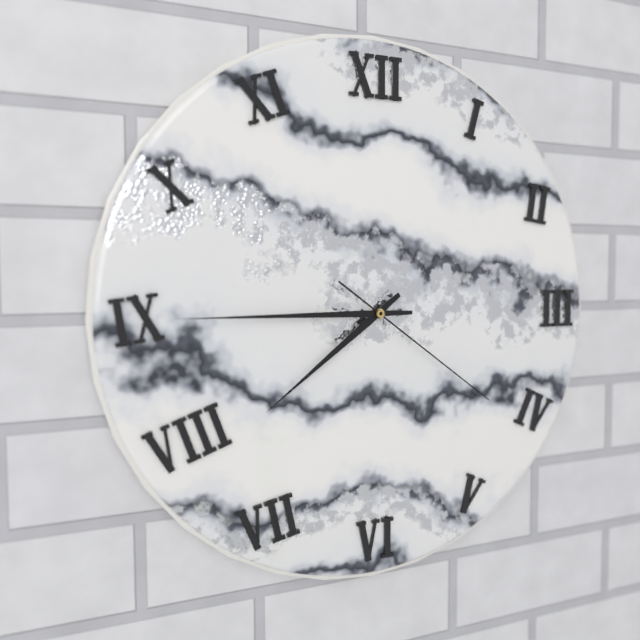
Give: 7:45:21
